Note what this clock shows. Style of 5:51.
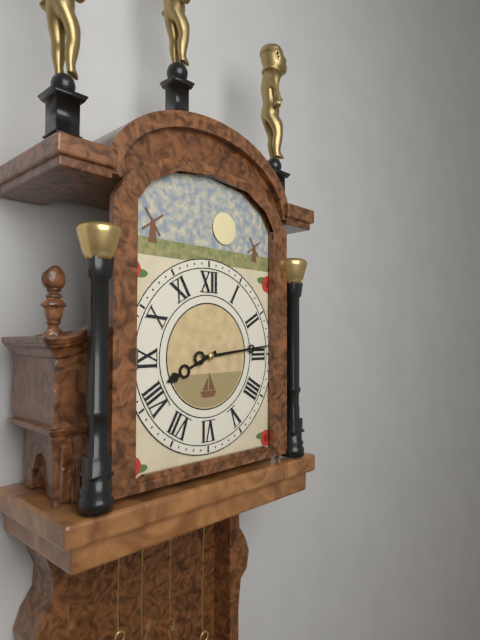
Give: 8:14
